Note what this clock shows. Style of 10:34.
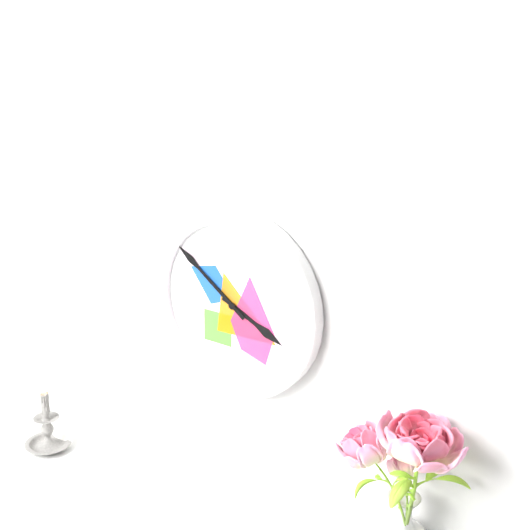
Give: 3:51
